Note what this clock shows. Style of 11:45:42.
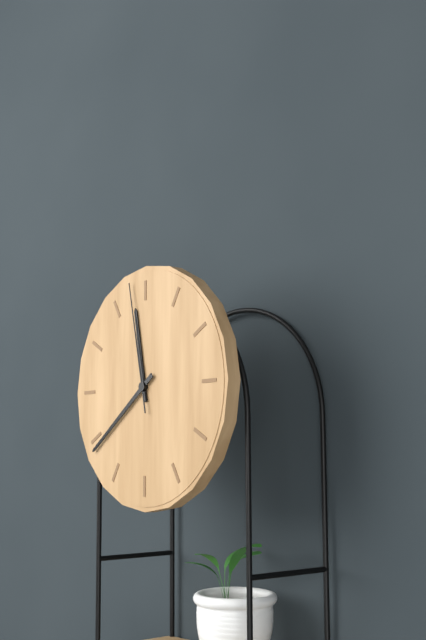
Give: 11:39:58
